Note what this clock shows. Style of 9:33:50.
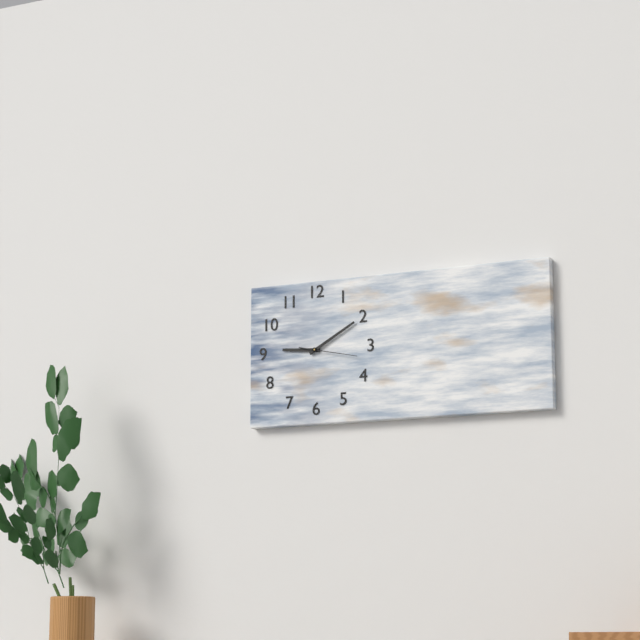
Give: 9:10:17
